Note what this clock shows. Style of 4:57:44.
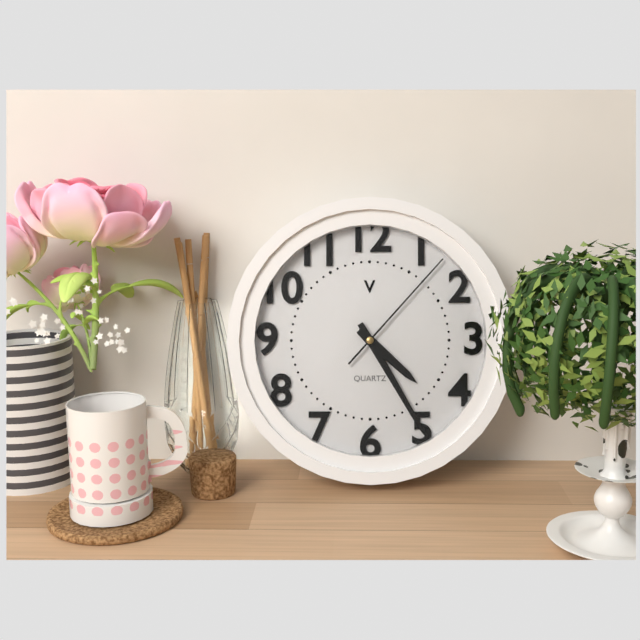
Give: 4:25:07
